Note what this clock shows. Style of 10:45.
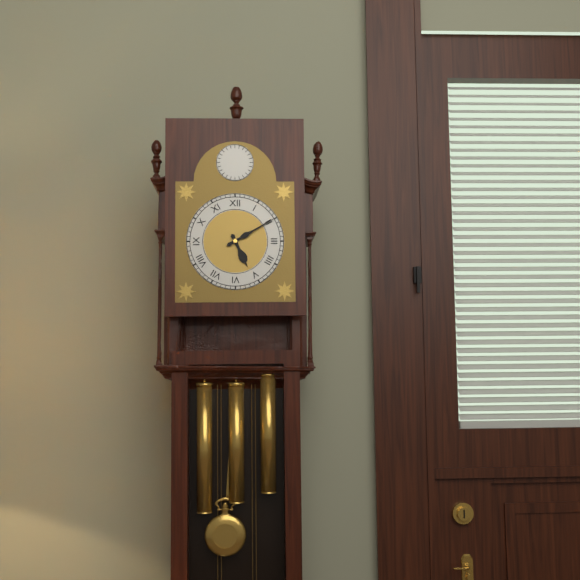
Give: 5:10
